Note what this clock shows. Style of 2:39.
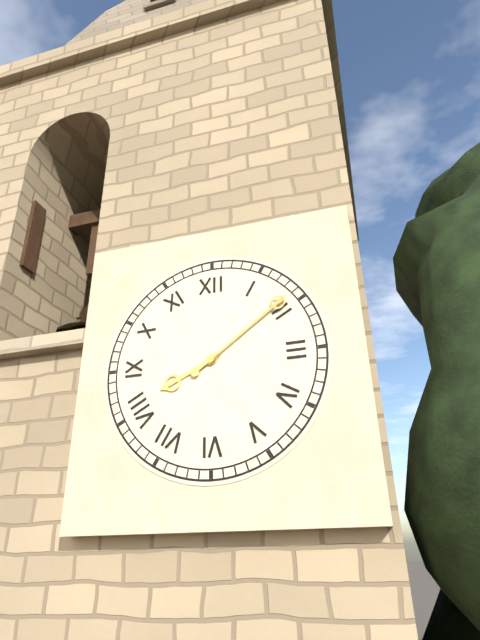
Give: 8:09
